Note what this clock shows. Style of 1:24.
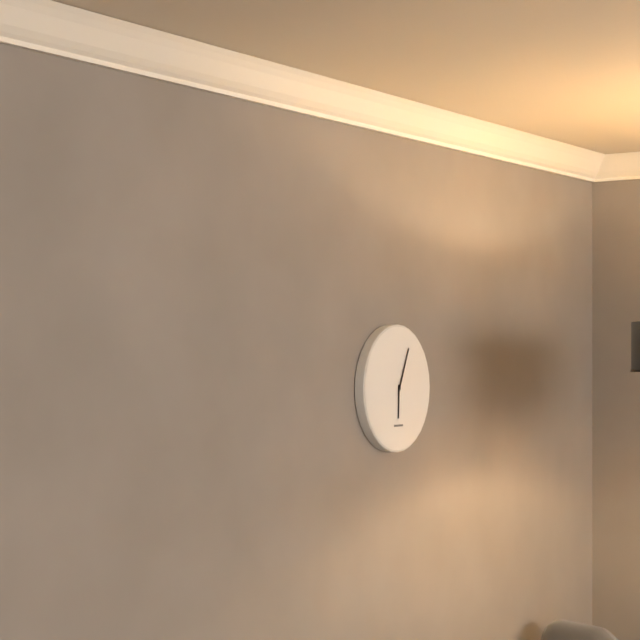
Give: 6:04
